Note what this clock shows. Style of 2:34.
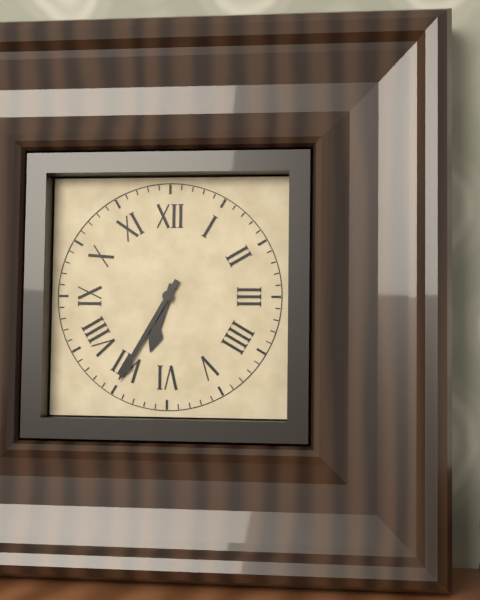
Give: 6:35
